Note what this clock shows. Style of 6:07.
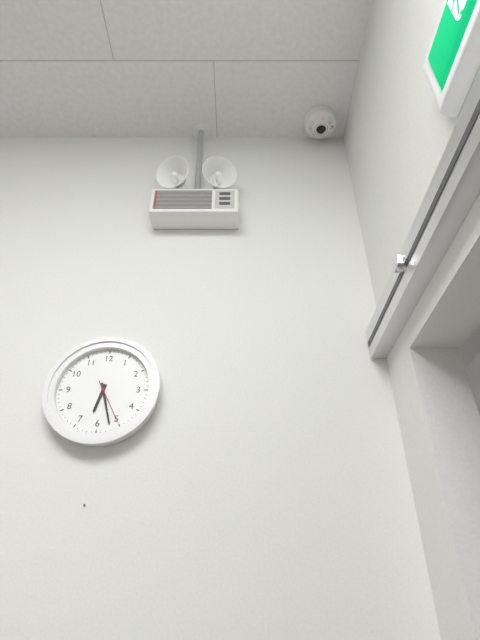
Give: 6:27
